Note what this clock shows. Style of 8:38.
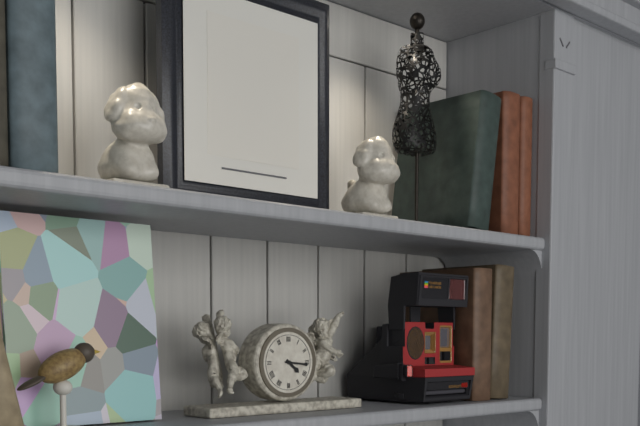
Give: 4:16
